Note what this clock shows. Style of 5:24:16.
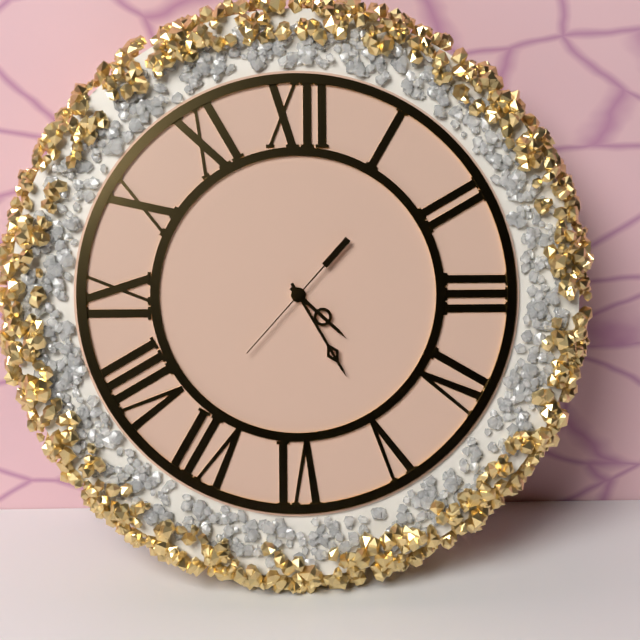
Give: 4:25:37
